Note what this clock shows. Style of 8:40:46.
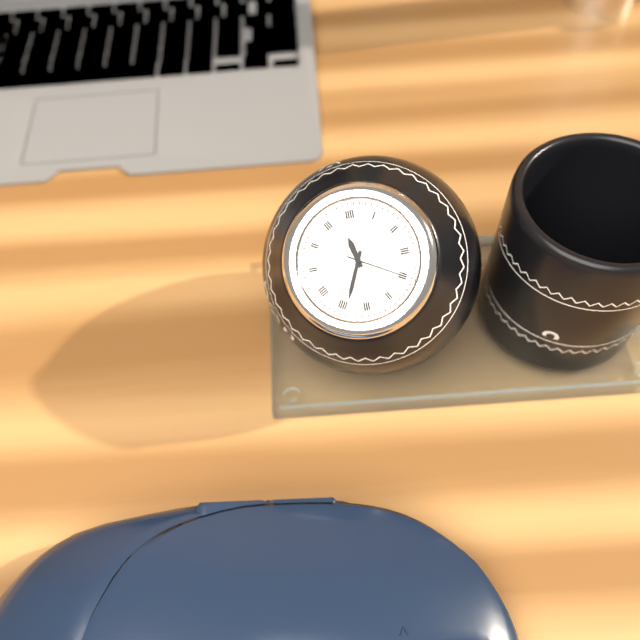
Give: 11:34:20
